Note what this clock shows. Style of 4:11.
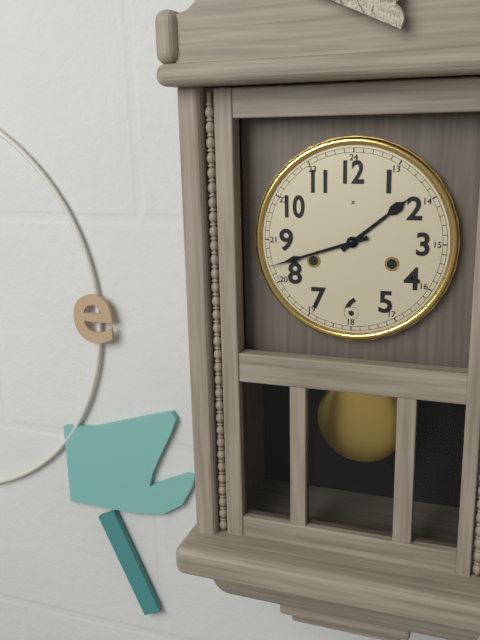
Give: 1:42
